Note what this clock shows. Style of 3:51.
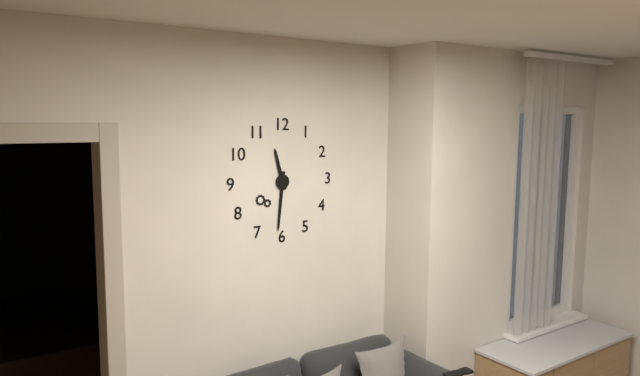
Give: 11:31
